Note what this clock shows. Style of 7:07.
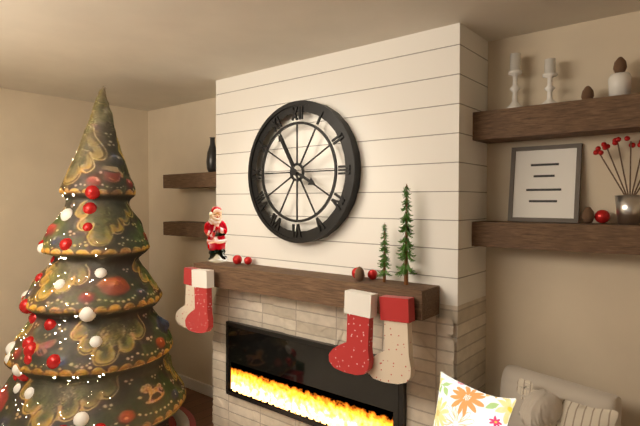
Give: 3:55
